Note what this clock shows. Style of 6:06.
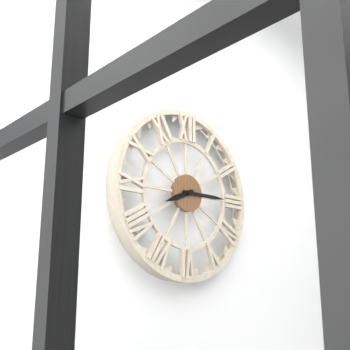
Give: 8:15
